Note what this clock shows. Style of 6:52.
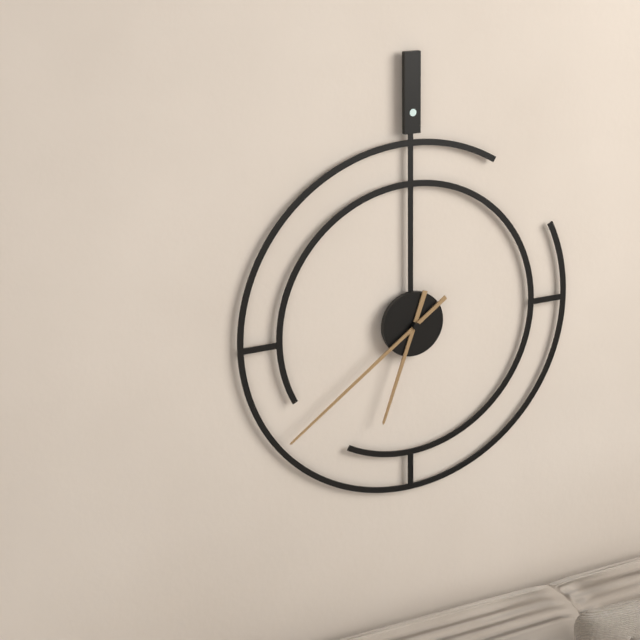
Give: 6:39
